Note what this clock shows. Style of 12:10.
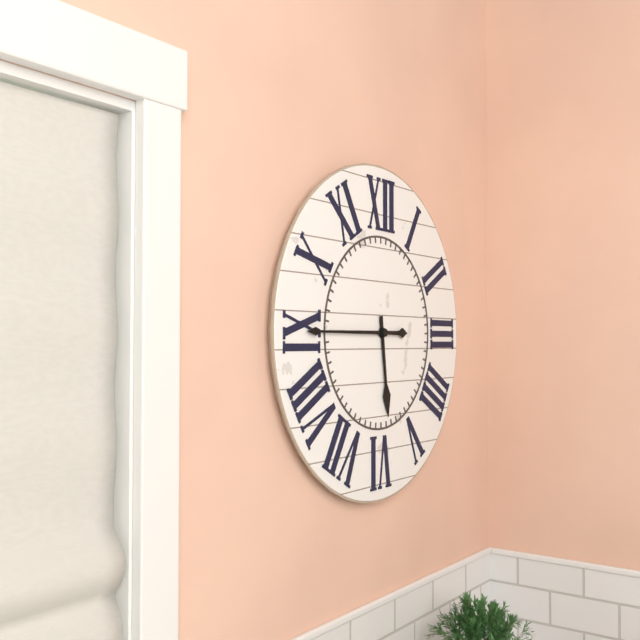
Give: 5:45
